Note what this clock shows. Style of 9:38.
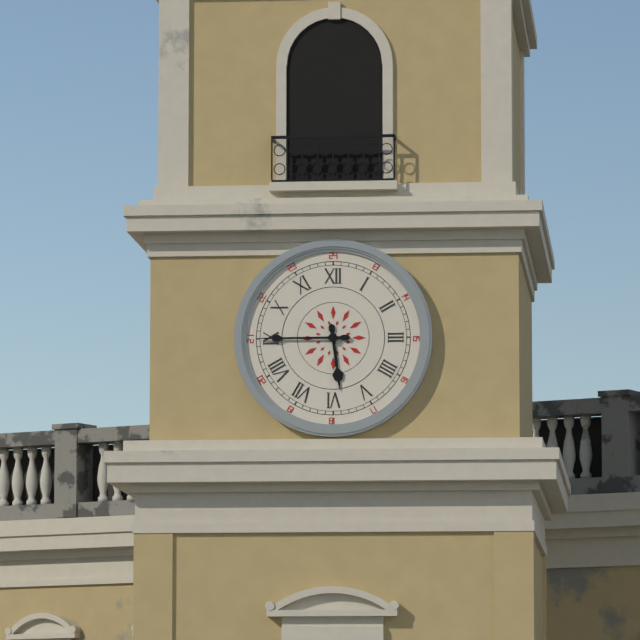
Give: 5:45
